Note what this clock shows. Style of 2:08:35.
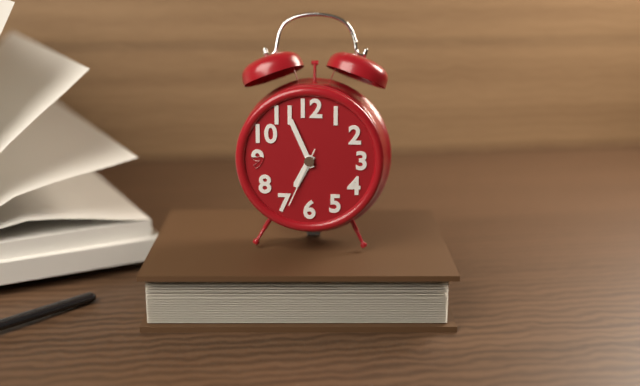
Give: 6:56:34
